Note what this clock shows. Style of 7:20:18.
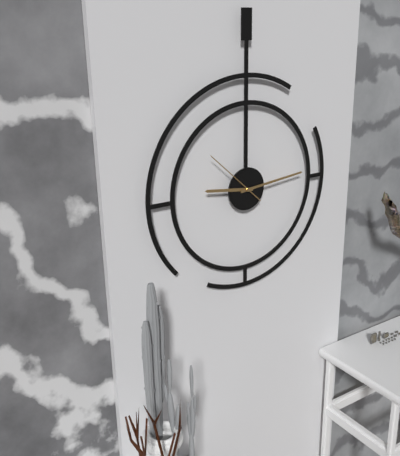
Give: 9:14:52
